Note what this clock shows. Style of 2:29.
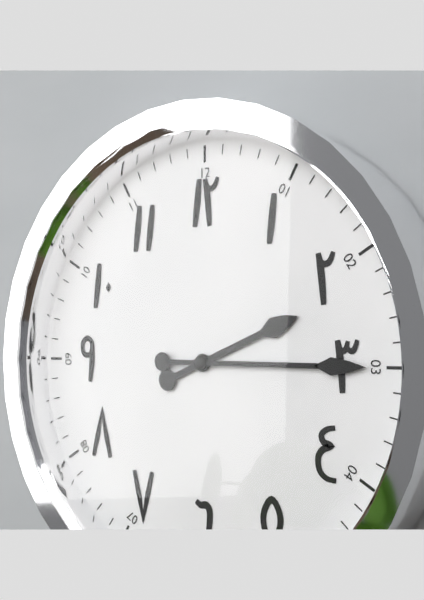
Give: 2:15
